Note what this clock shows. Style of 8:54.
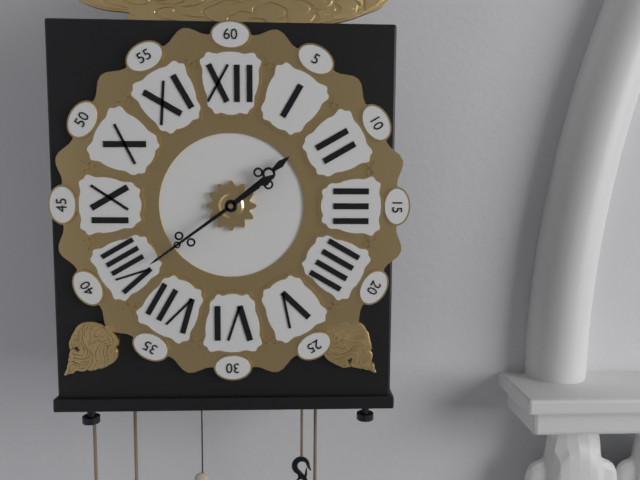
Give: 1:39
